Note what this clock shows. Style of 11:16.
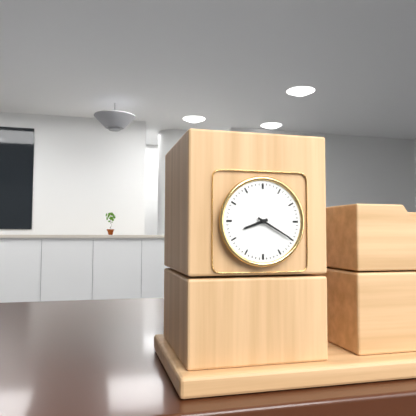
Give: 8:20
